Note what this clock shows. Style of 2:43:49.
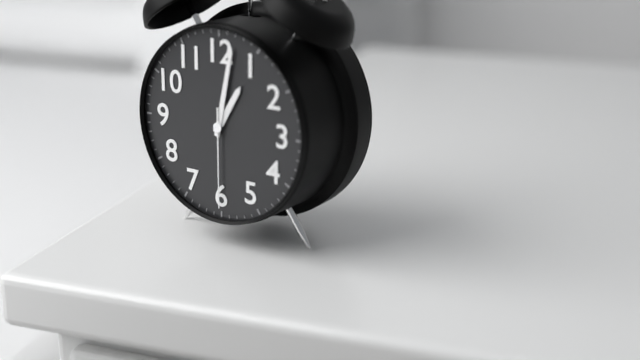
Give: 1:02:30
